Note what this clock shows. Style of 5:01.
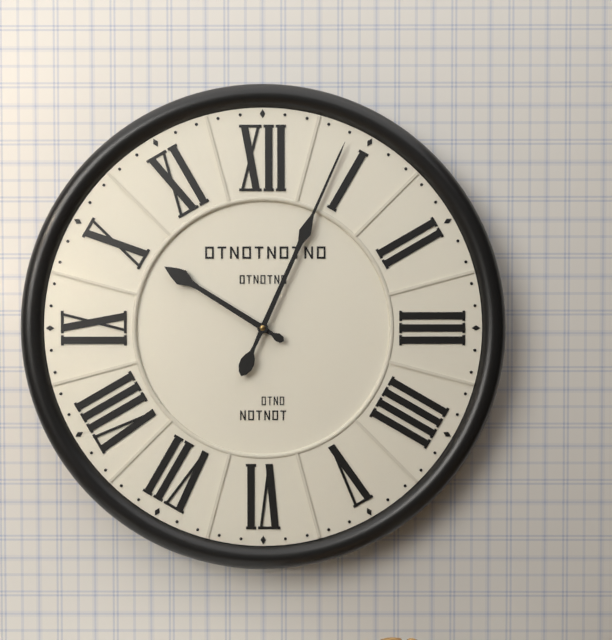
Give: 10:04
